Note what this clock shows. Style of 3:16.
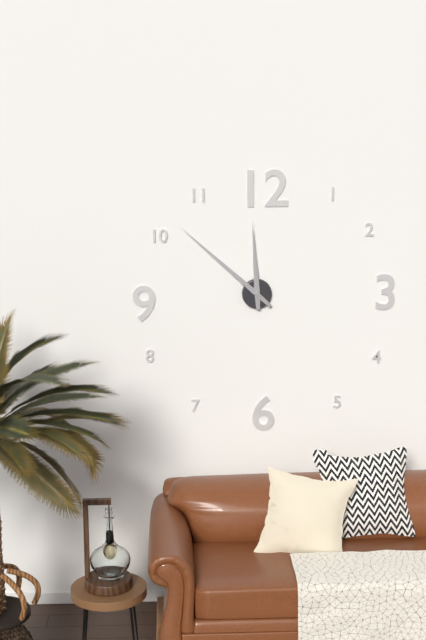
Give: 11:52
